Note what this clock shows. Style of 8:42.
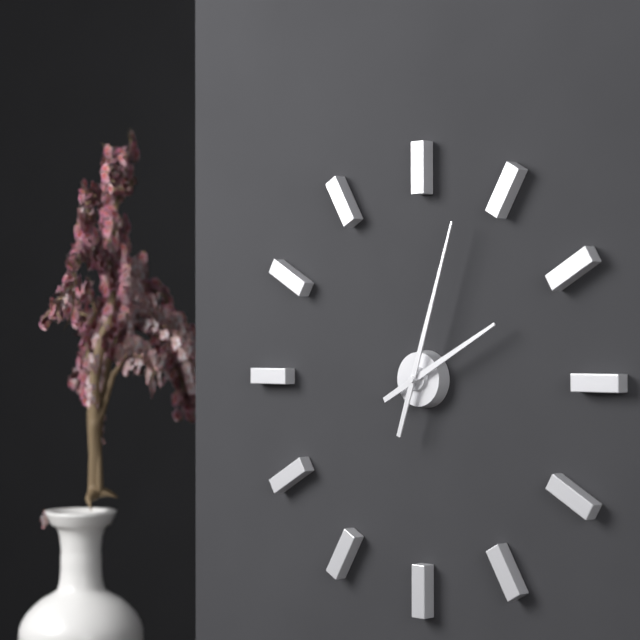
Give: 2:03
